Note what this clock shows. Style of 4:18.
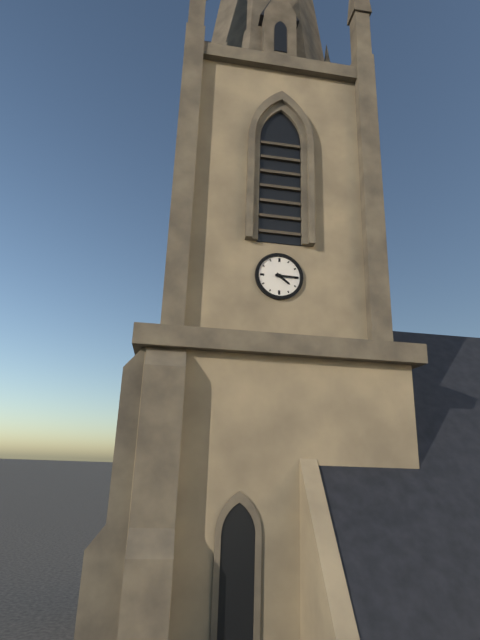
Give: 4:15
